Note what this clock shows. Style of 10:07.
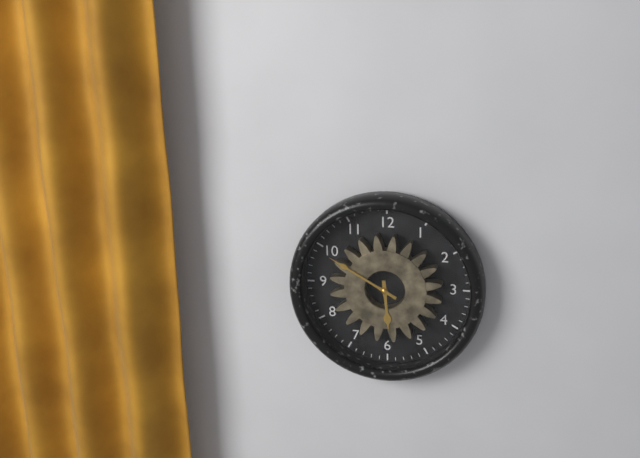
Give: 5:50
